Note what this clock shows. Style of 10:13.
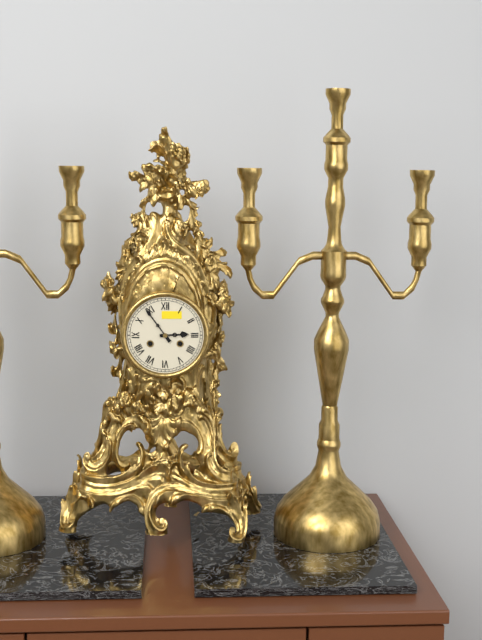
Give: 2:54
